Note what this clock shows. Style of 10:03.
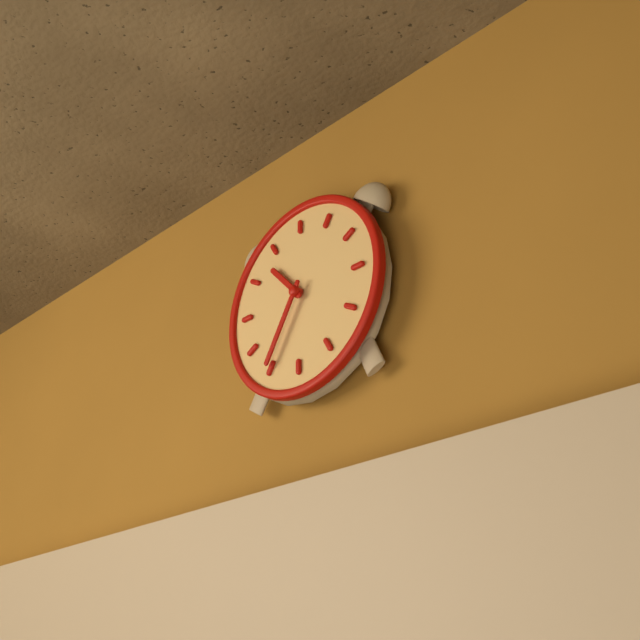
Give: 10:35
